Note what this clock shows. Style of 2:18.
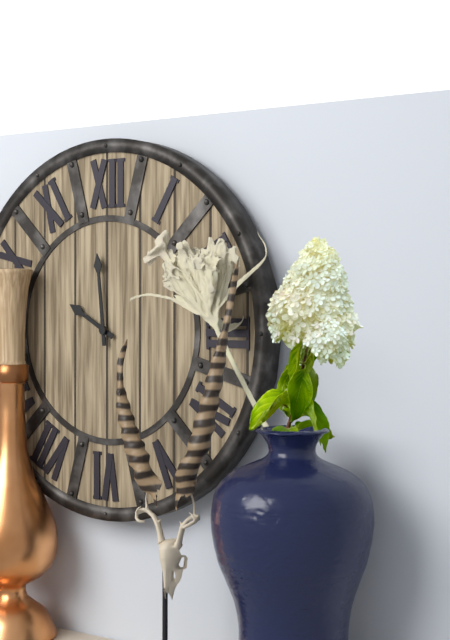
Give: 9:59
